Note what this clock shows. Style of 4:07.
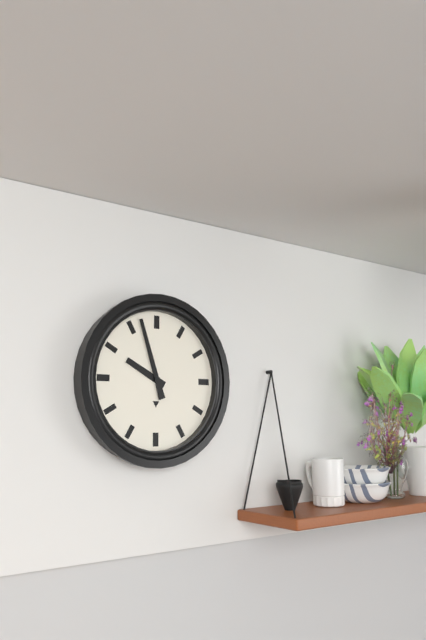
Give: 9:57
